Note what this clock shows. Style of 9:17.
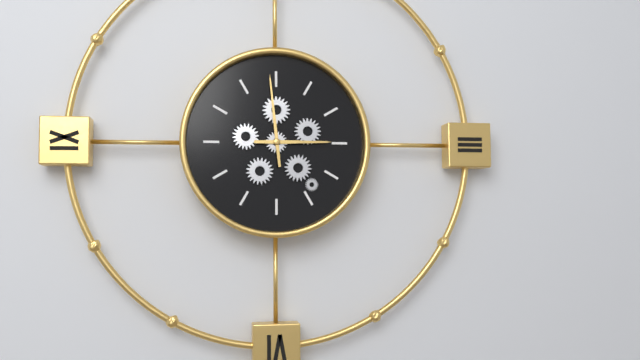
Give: 2:59
